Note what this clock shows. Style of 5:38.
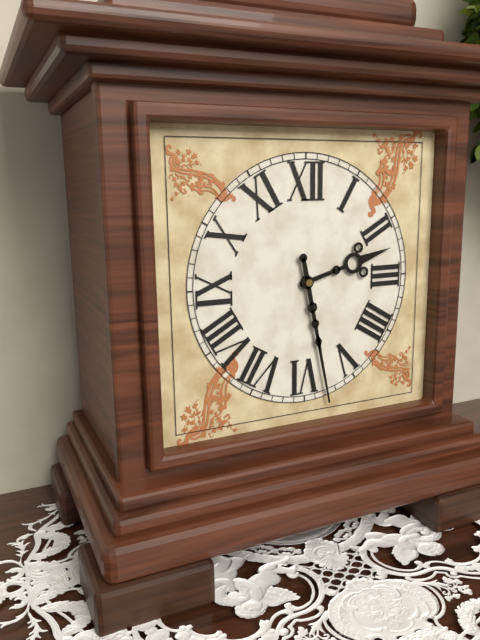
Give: 2:28
